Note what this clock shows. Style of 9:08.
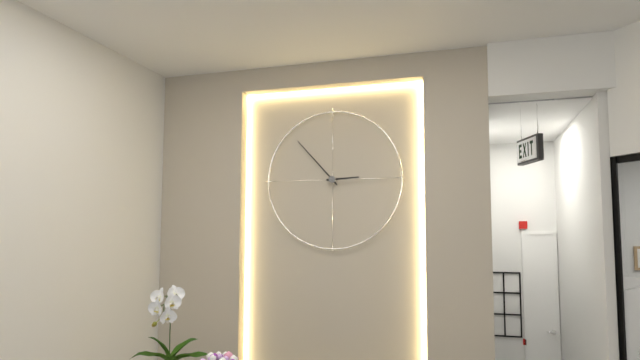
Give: 2:53
